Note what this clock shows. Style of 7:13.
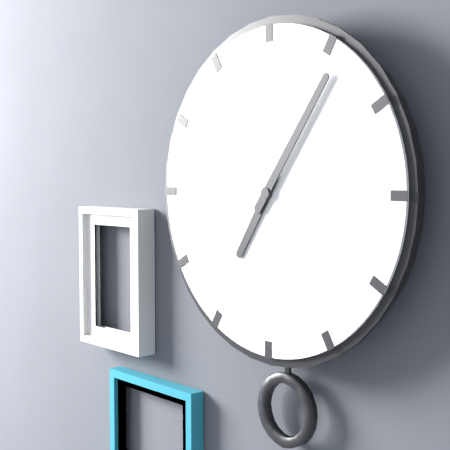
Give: 7:06
